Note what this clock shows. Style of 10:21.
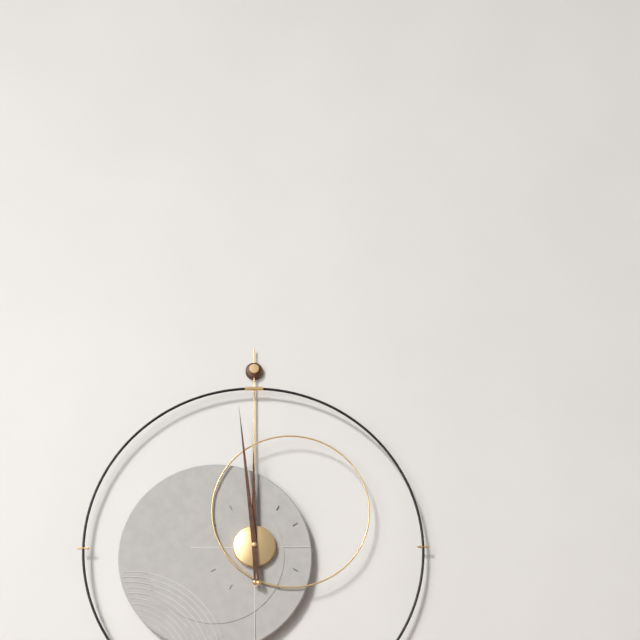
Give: 11:59
